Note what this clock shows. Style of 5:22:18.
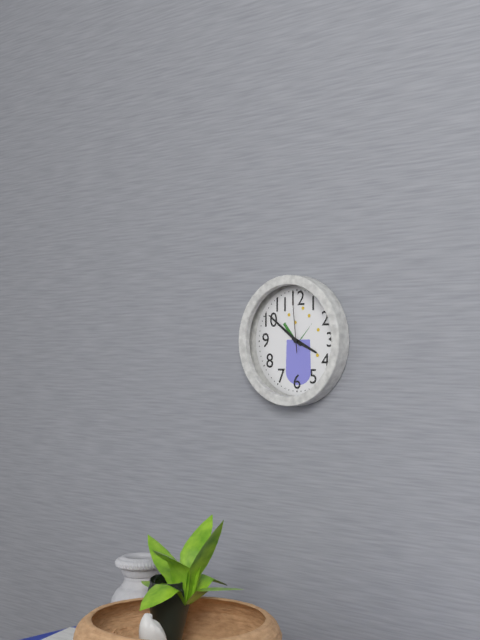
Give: 3:51:59
